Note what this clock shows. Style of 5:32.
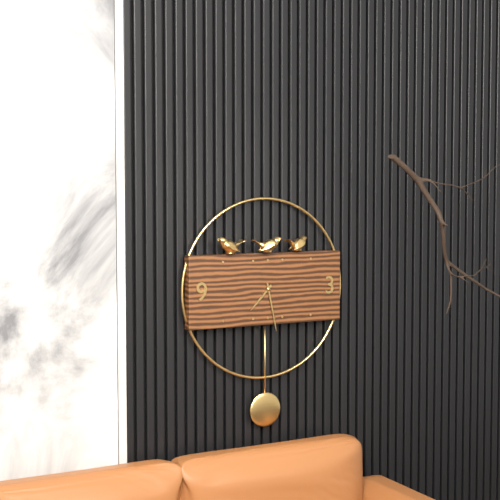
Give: 7:28
